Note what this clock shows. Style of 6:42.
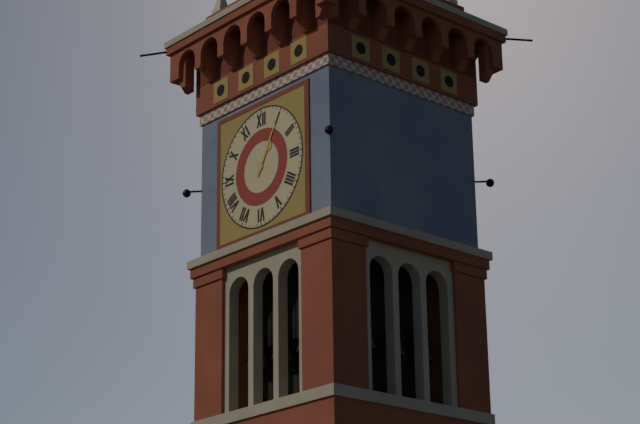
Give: 1:05
